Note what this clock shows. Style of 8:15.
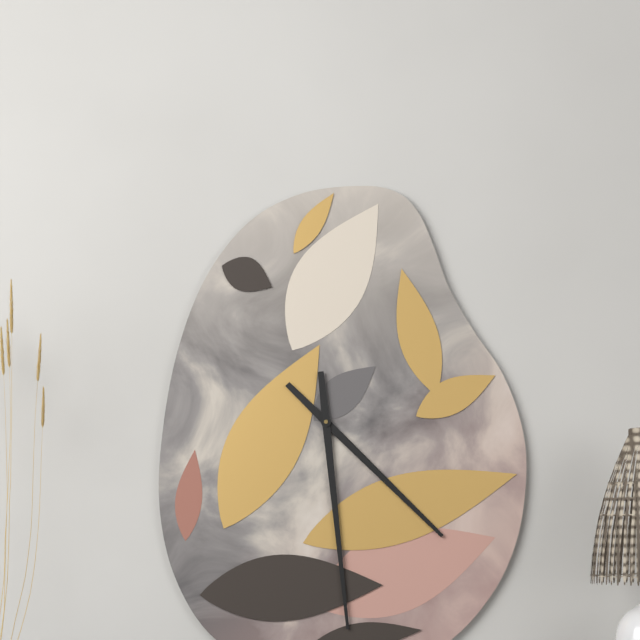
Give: 4:29
